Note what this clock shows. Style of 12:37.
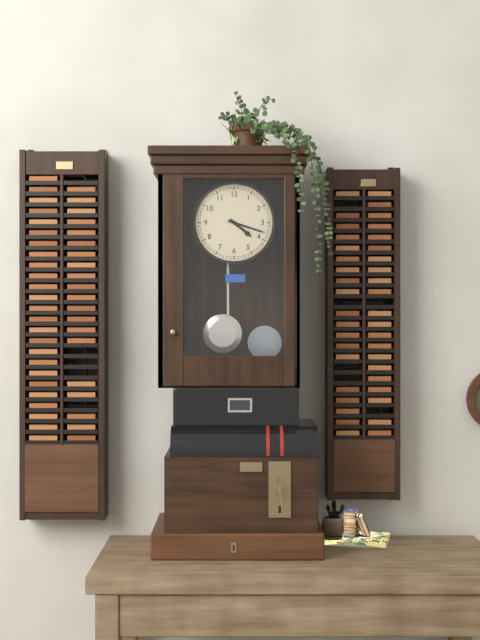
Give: 4:18
